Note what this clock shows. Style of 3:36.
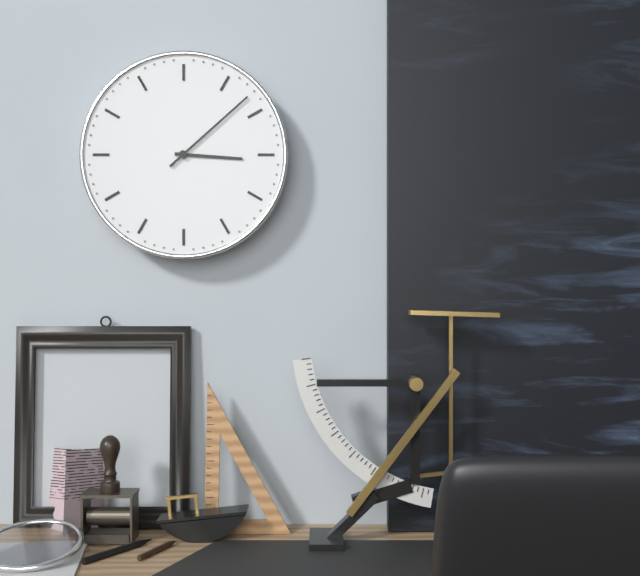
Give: 3:08
